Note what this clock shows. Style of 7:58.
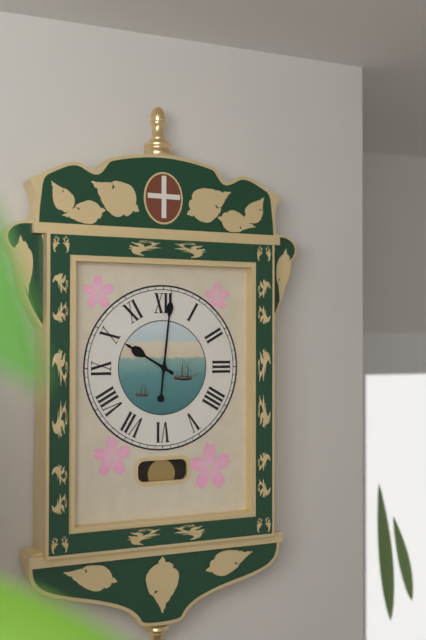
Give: 10:01
